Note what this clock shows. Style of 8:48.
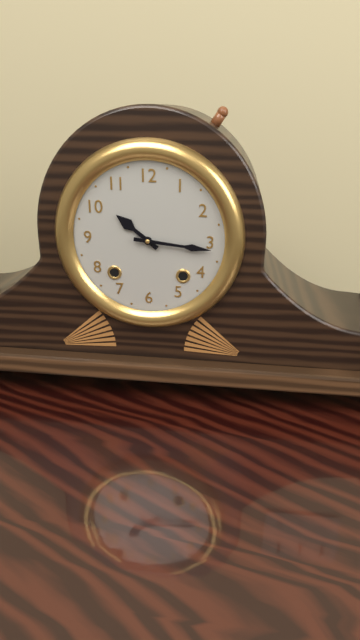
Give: 10:16
